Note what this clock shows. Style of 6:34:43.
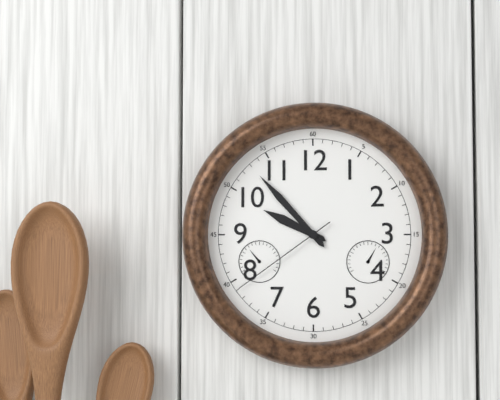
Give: 9:53:39
